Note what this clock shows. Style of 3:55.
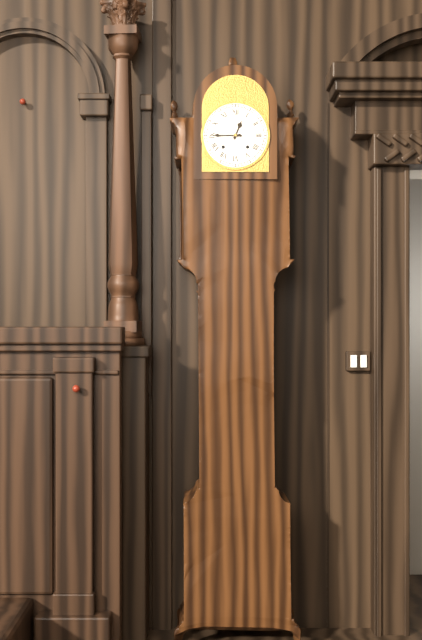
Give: 12:45
